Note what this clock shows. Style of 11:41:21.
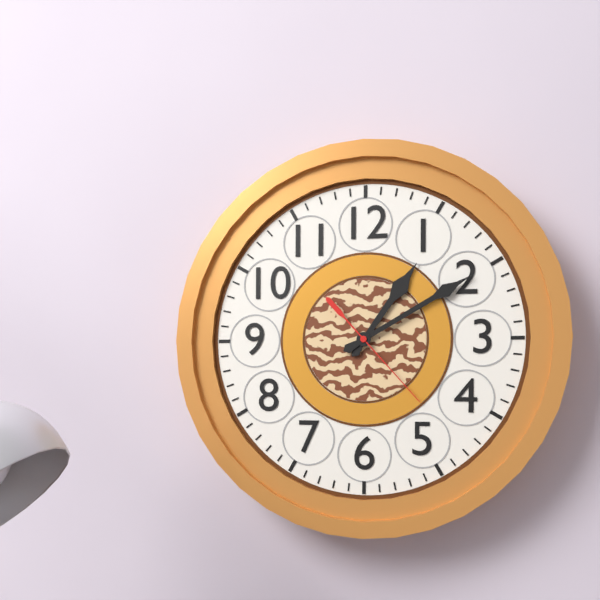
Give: 1:10:23
